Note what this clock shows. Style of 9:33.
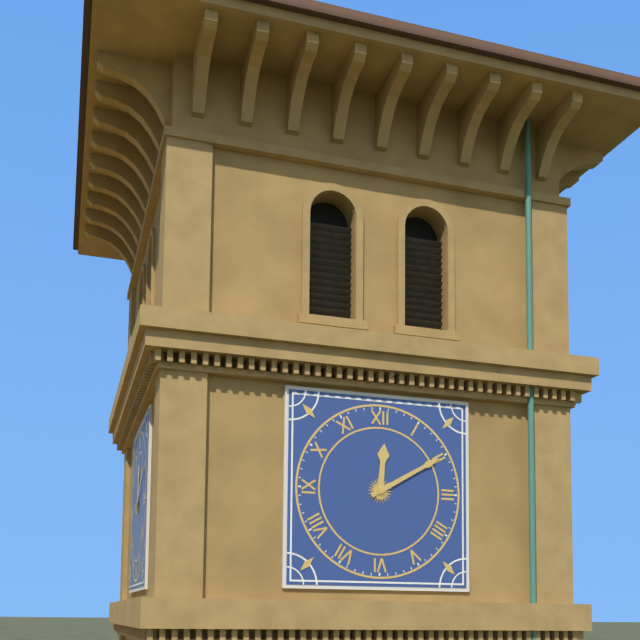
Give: 12:10
